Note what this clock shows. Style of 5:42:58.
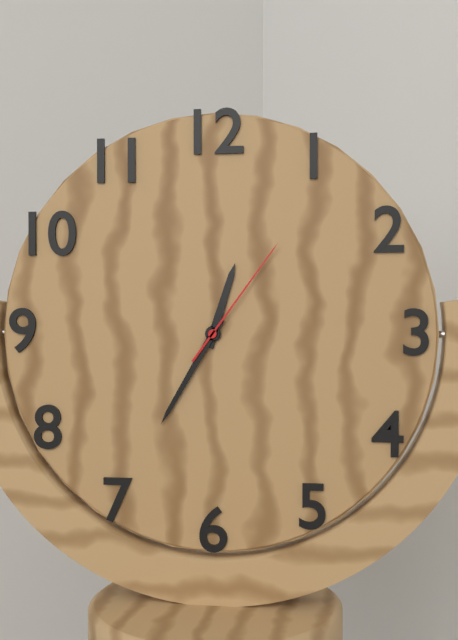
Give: 12:35:06
